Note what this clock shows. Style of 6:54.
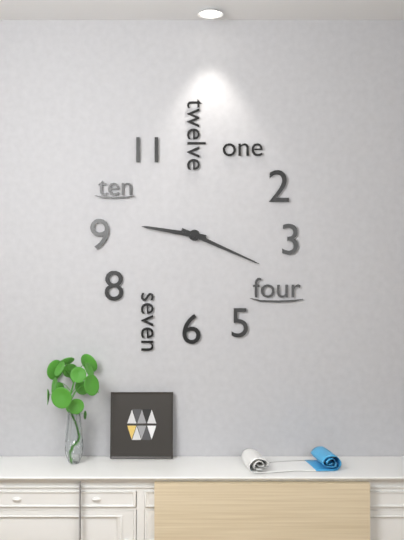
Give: 9:19
